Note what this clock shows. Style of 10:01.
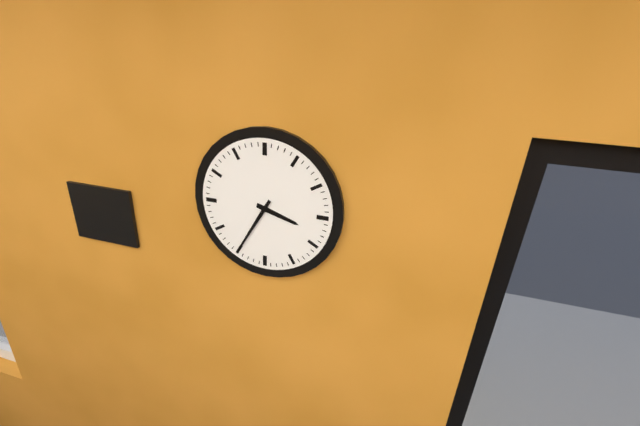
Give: 3:35
